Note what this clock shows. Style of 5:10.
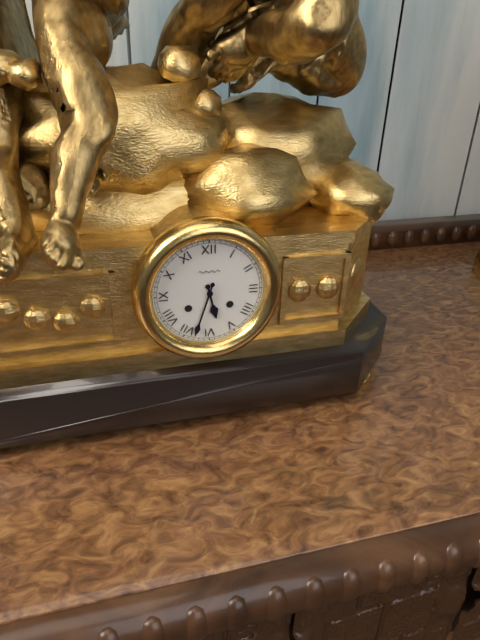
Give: 5:33
